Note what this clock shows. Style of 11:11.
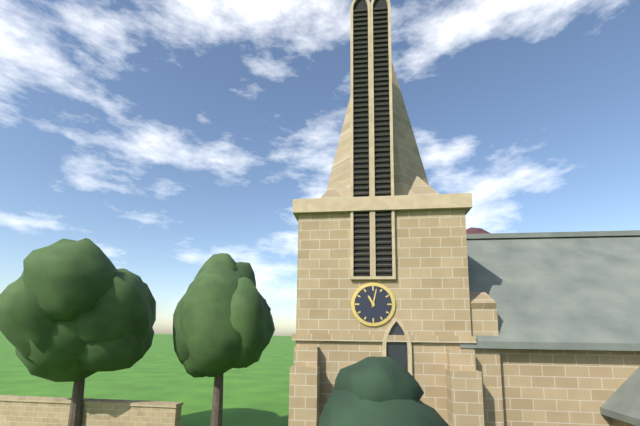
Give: 11:02
